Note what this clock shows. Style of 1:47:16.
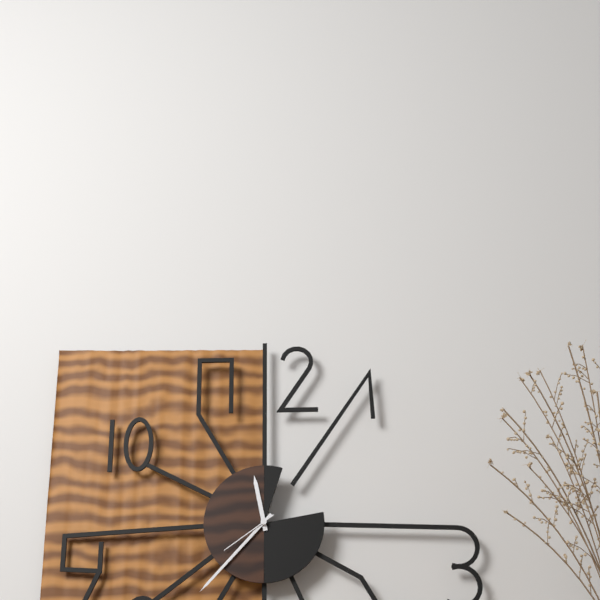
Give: 11:37:39
